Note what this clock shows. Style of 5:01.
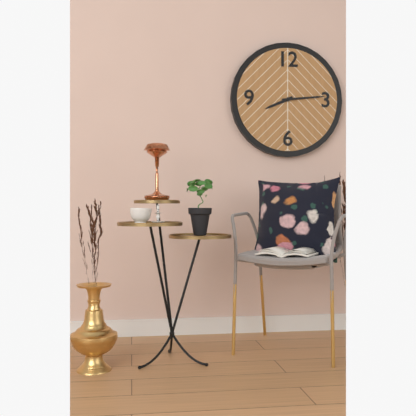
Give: 8:14
